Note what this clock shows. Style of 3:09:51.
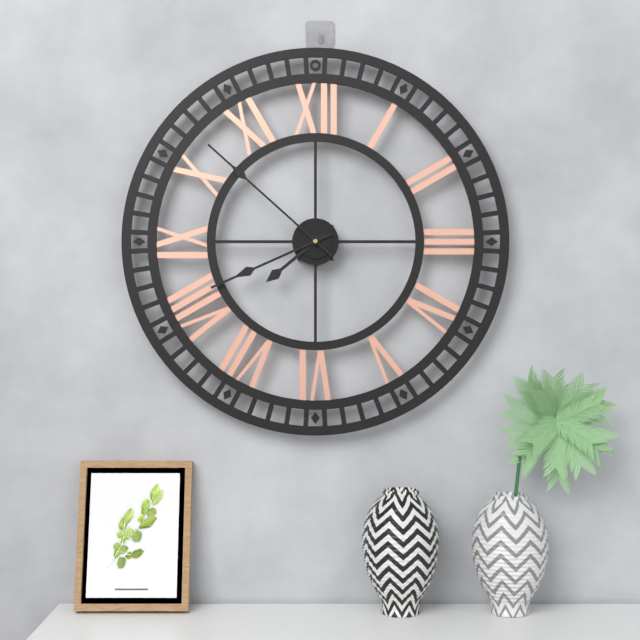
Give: 7:41:52
